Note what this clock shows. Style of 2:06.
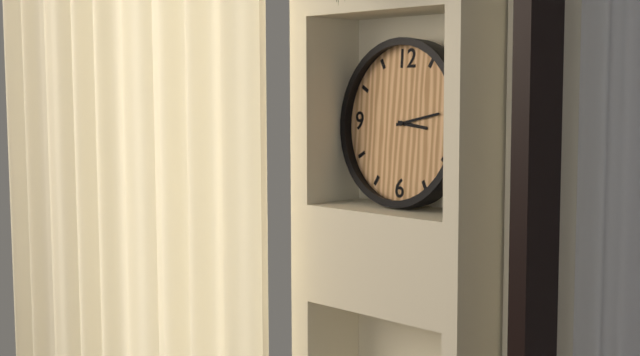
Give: 3:13
